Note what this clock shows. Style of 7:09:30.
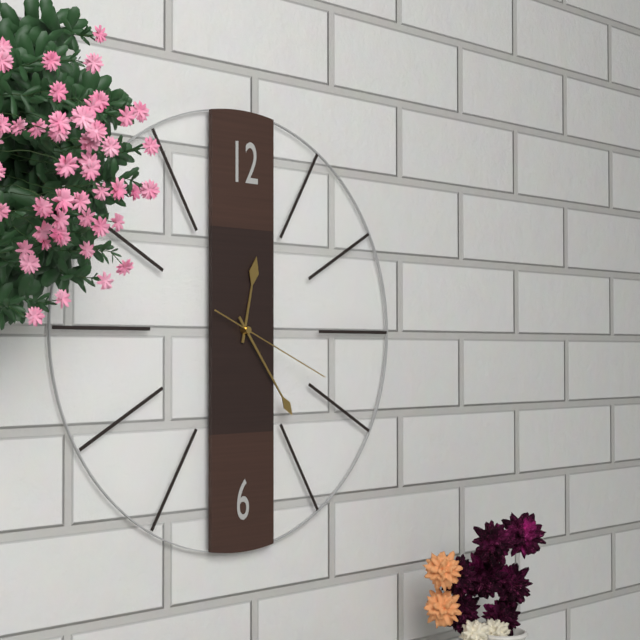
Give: 12:24:19
